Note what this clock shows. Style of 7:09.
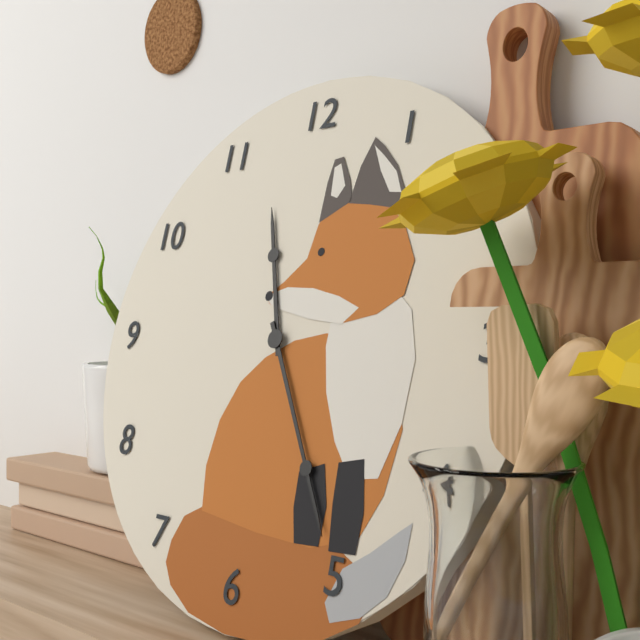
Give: 11:25
